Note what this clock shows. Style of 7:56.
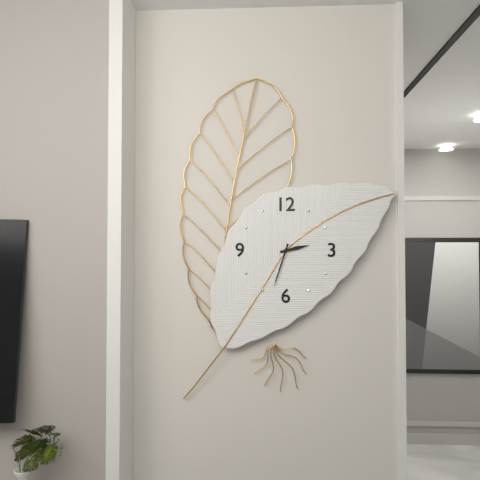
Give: 2:33
